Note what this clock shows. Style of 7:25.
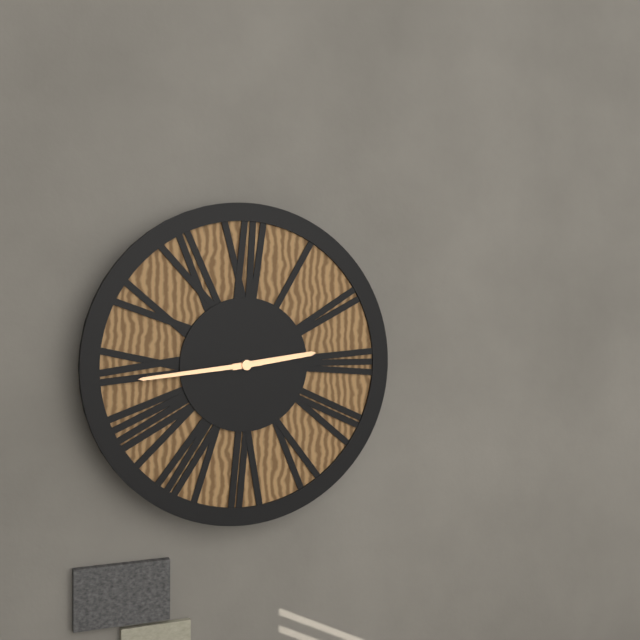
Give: 2:44
